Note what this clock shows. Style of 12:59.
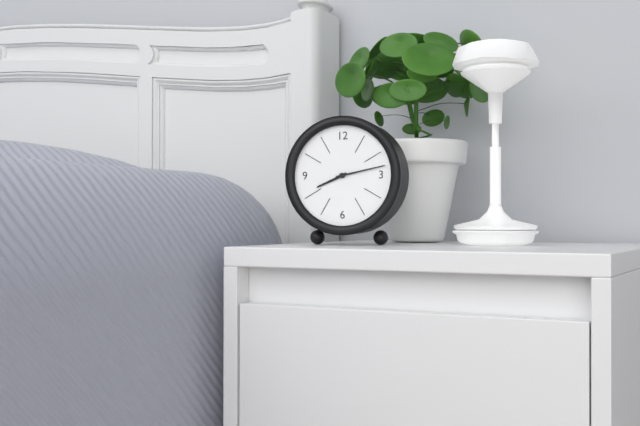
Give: 8:13
